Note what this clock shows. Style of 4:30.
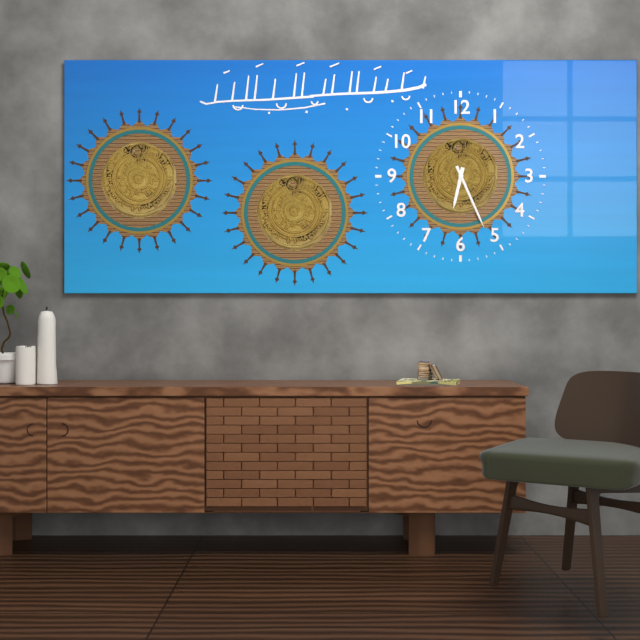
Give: 6:26
